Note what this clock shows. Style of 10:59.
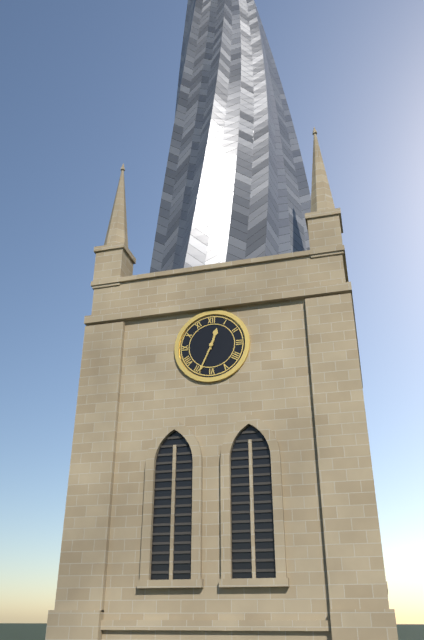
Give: 12:34
